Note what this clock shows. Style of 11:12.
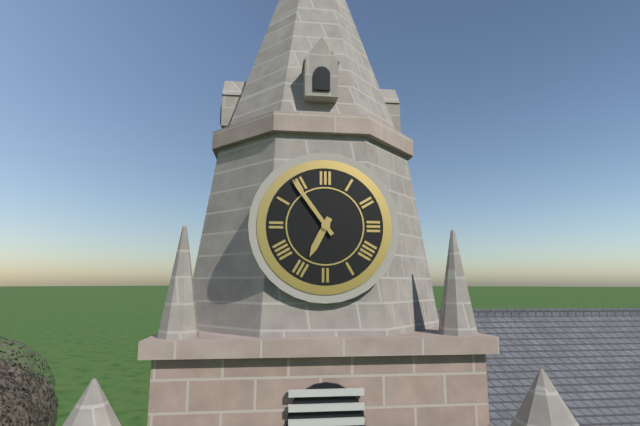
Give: 6:54
